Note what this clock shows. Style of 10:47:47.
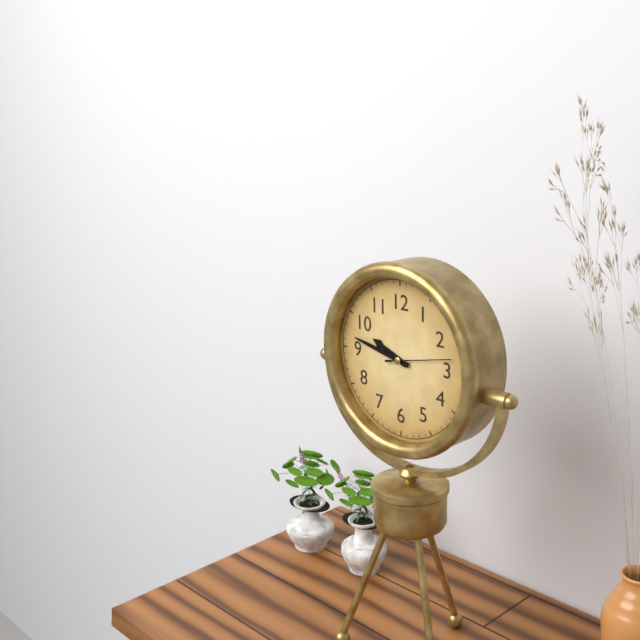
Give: 9:47:13
